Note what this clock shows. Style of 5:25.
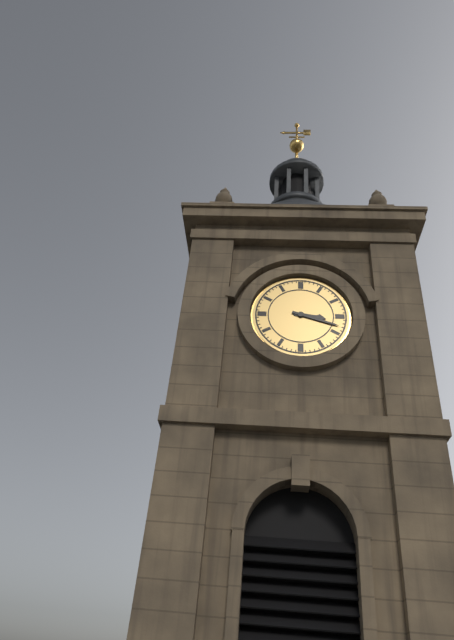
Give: 3:18
